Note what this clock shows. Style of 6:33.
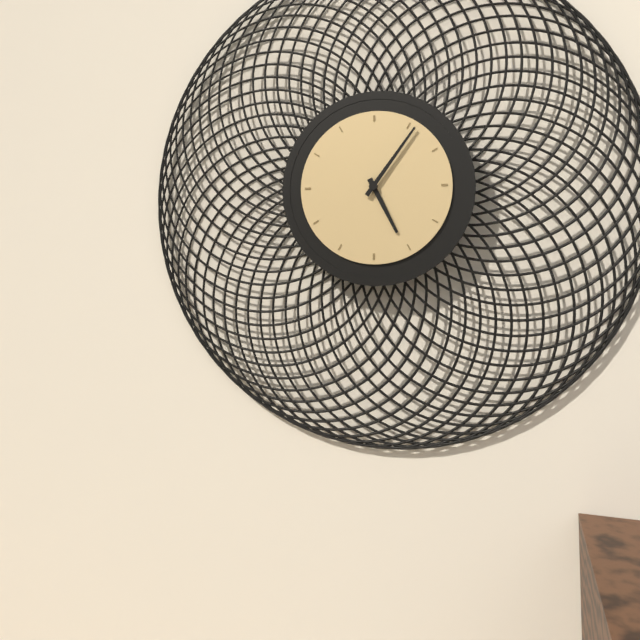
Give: 5:06
